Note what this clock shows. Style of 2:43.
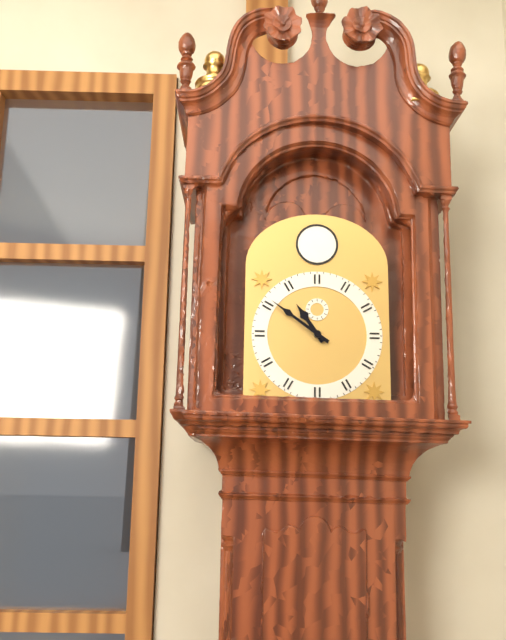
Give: 10:51
